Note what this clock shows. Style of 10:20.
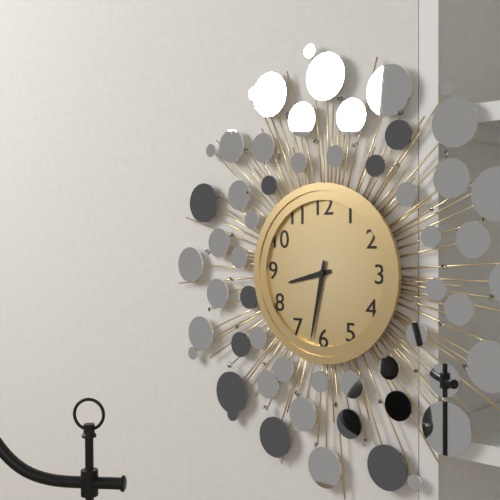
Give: 8:32
